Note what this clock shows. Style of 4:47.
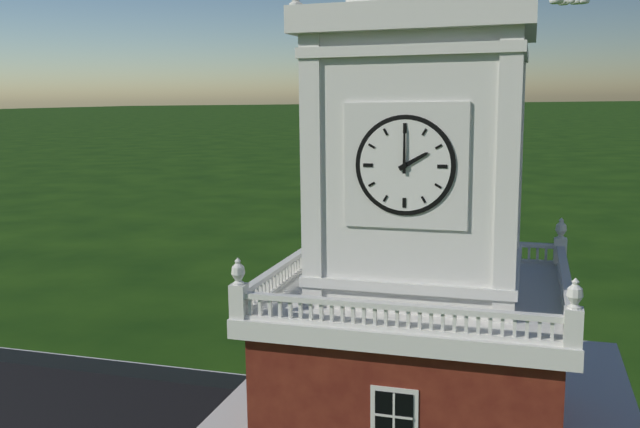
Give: 2:00
